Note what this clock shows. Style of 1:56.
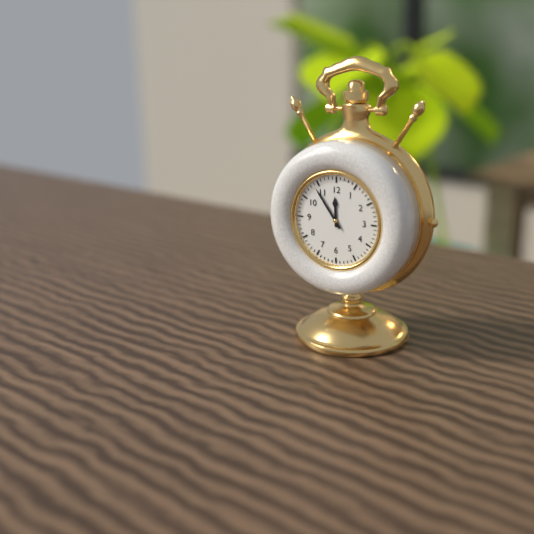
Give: 11:54
